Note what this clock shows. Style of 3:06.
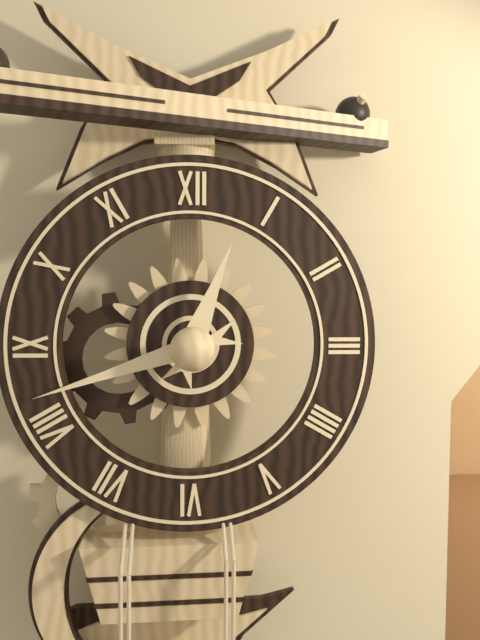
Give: 12:42
